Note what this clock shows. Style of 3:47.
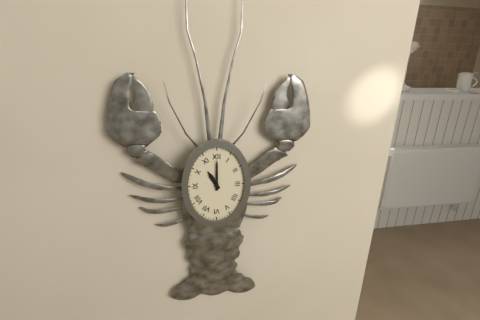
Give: 11:00
